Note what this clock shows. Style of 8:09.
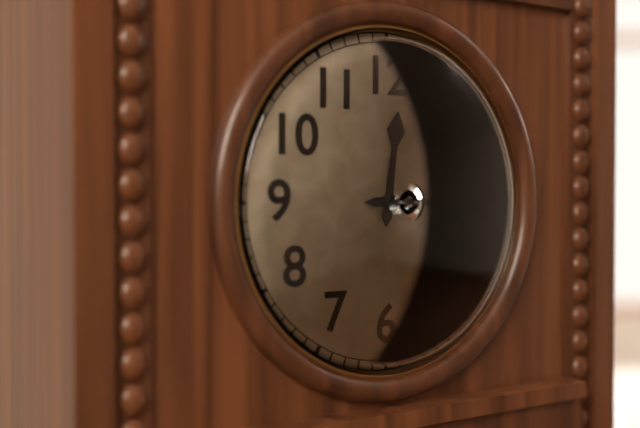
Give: 12:15
